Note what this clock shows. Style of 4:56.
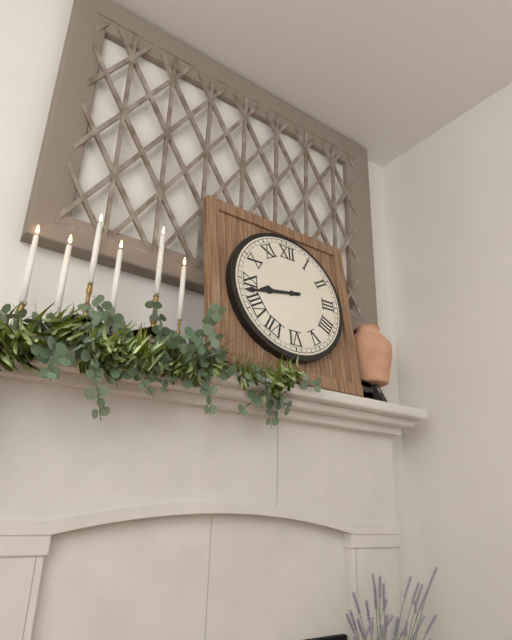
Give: 8:43
